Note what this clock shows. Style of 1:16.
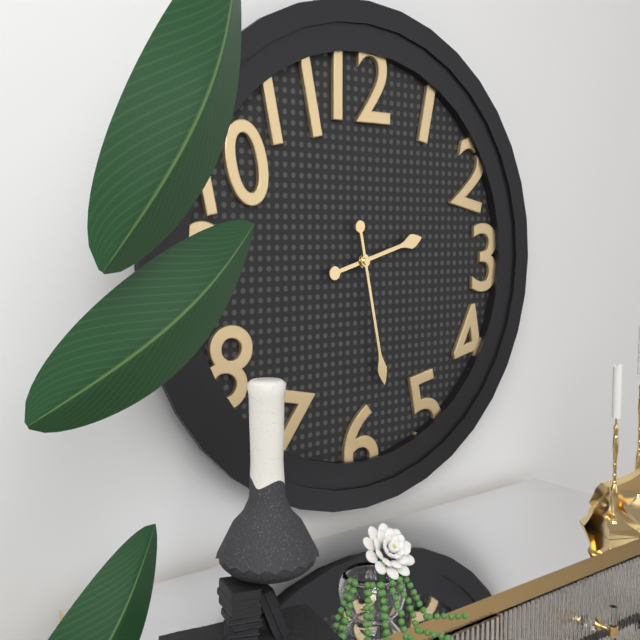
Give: 2:28
